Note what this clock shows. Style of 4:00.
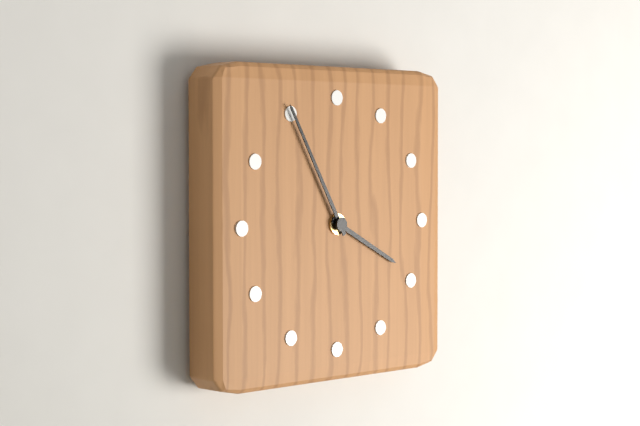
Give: 3:55
